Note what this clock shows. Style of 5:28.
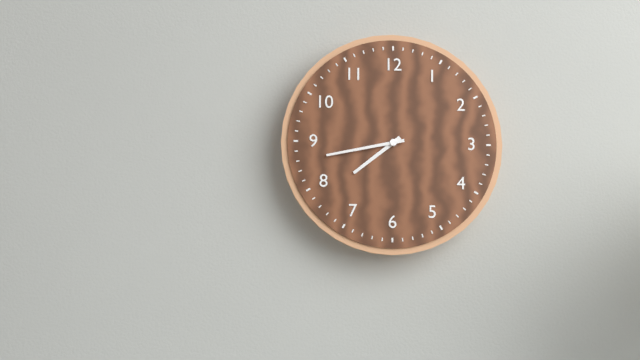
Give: 7:43
